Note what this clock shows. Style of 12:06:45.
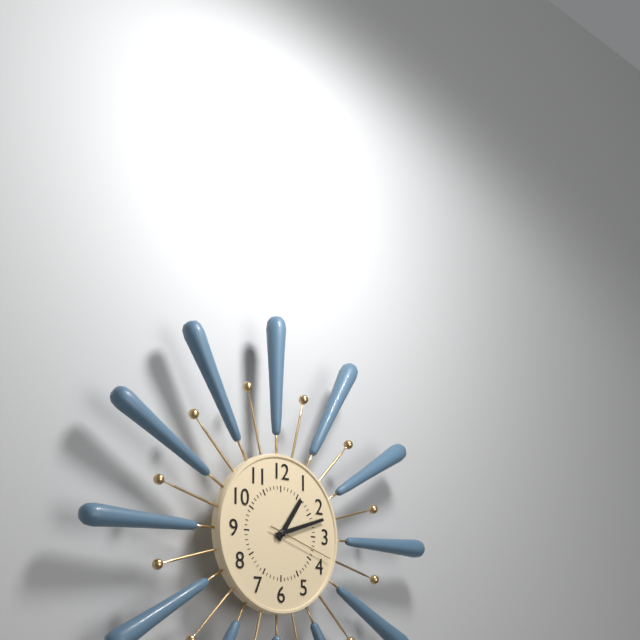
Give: 1:12:18
